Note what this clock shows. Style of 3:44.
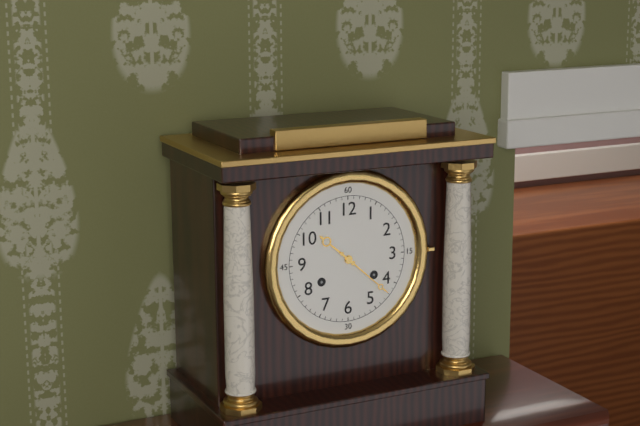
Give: 10:22
